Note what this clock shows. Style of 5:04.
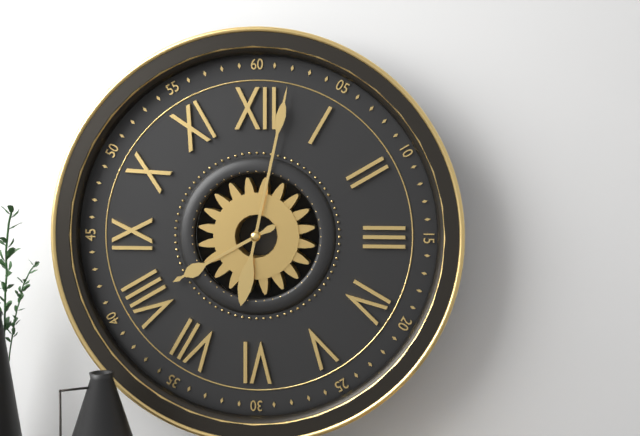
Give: 8:02
